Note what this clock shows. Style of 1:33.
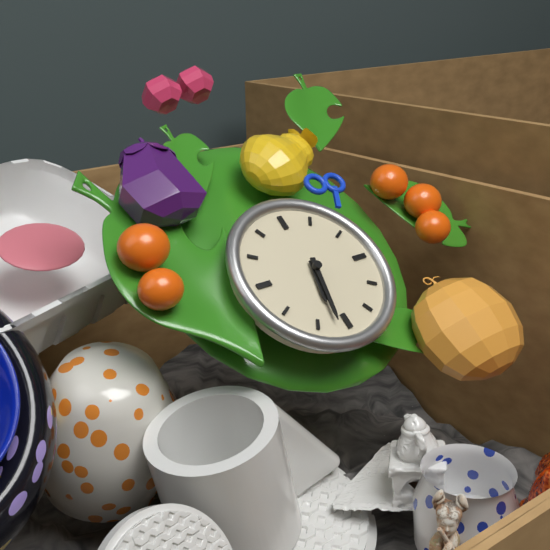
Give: 6:32
